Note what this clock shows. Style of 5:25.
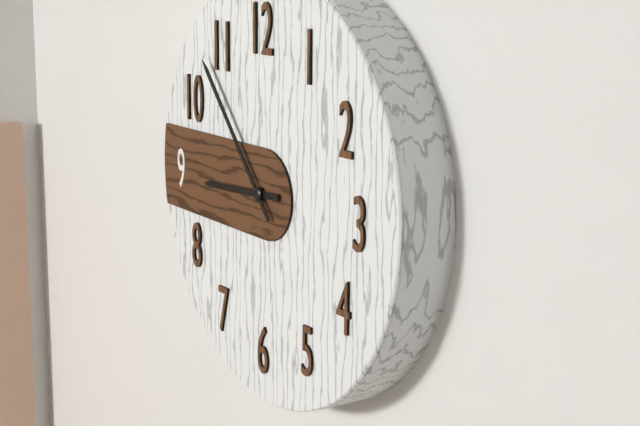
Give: 8:53
